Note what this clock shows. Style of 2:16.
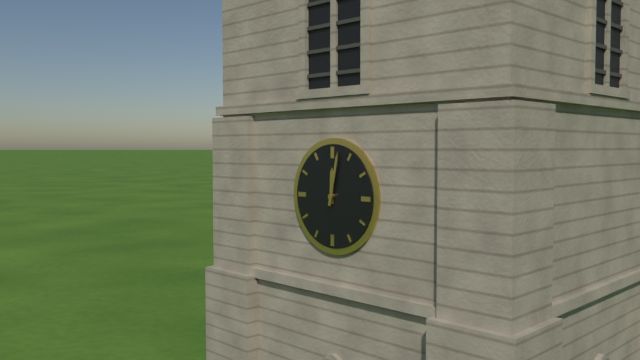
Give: 12:02
